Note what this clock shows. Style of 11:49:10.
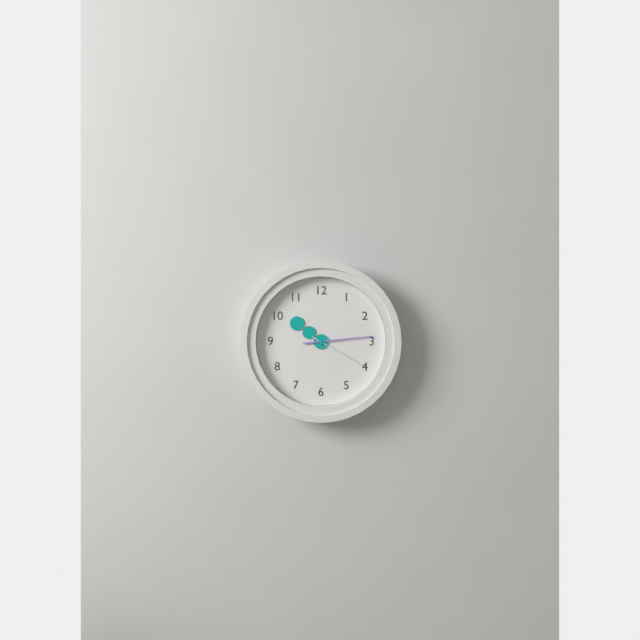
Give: 10:14:20
